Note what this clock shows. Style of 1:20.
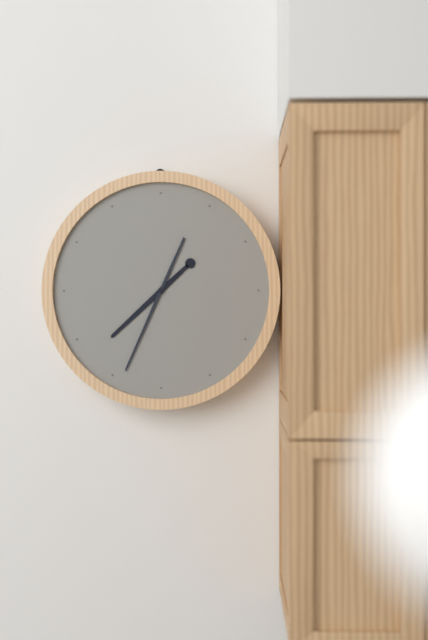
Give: 7:34
